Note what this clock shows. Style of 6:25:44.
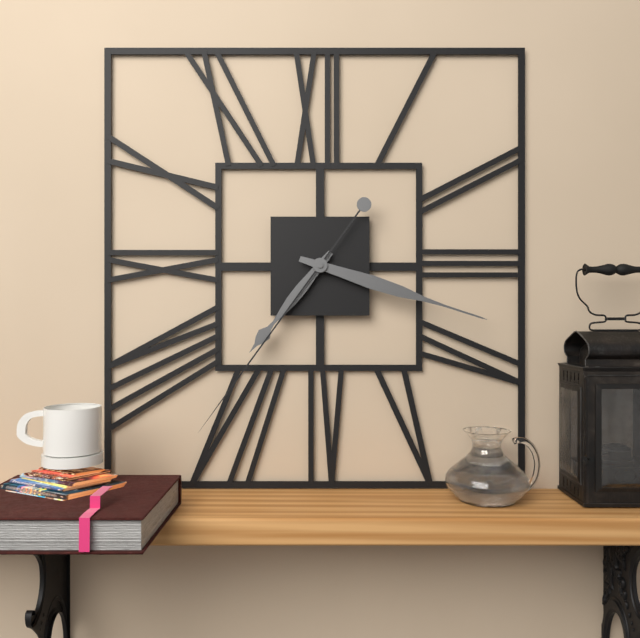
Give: 7:18:36
